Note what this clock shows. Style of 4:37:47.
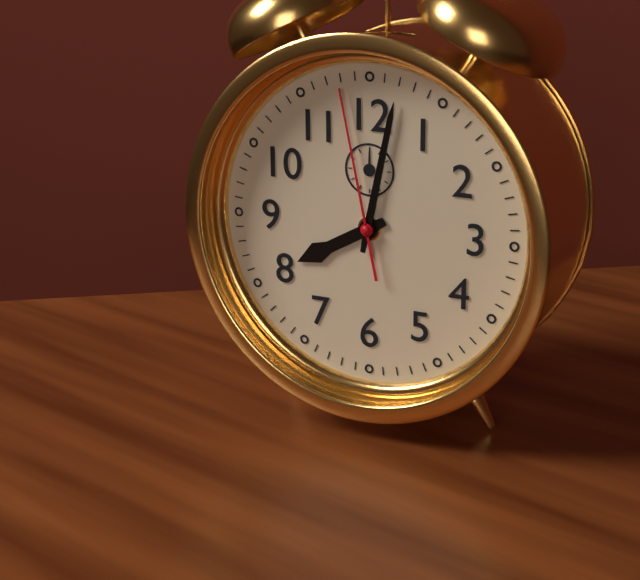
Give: 8:02:58
